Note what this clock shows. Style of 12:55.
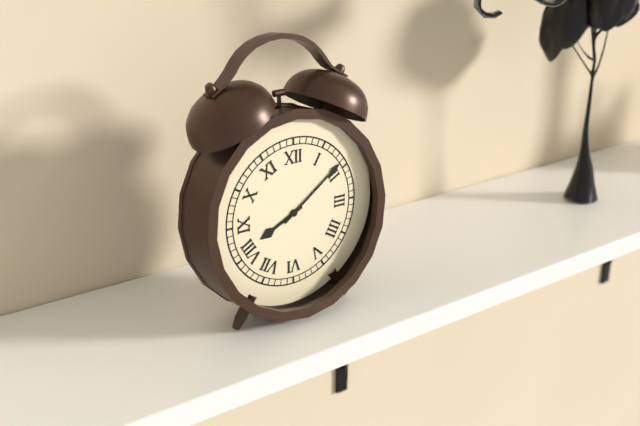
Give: 8:09
